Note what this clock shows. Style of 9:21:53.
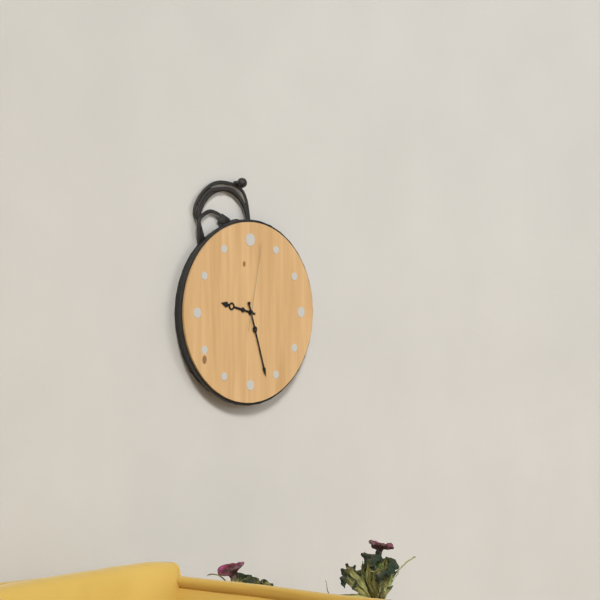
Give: 9:27:02
